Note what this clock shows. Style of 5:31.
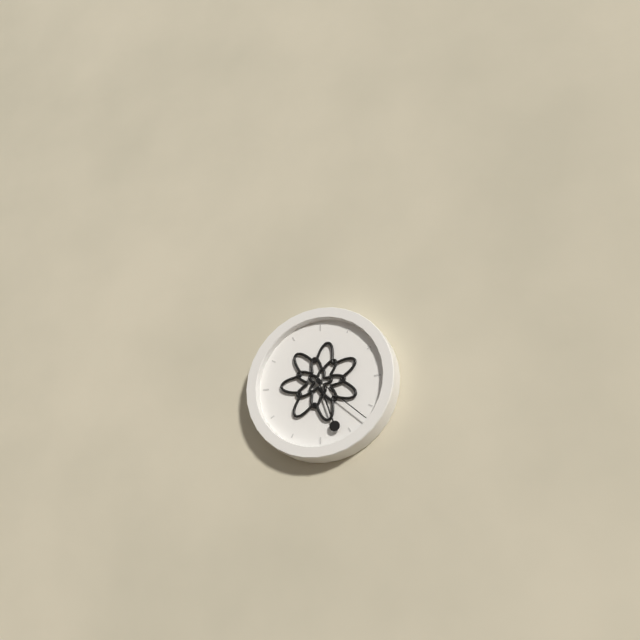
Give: 5:22
